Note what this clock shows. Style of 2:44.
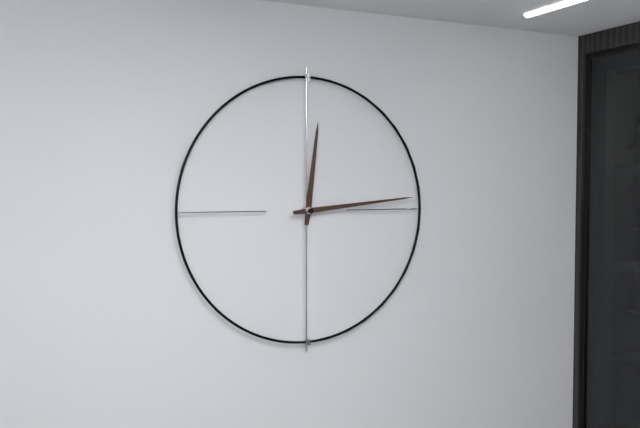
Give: 12:14
